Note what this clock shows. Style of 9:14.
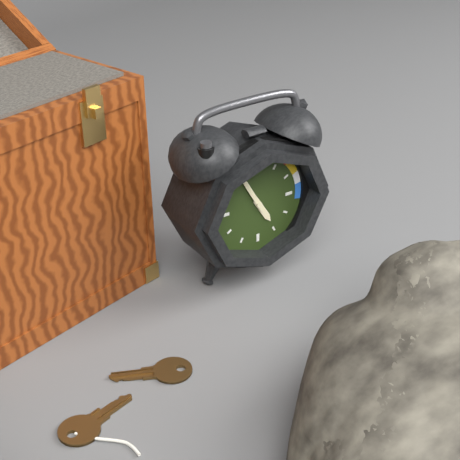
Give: 4:55
